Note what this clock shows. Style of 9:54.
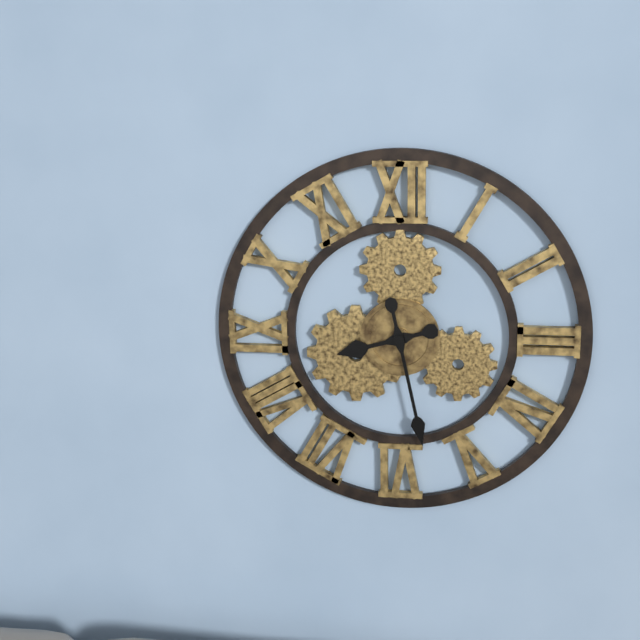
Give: 8:28
